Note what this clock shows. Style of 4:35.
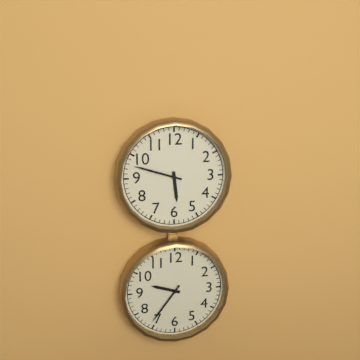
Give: 5:48
